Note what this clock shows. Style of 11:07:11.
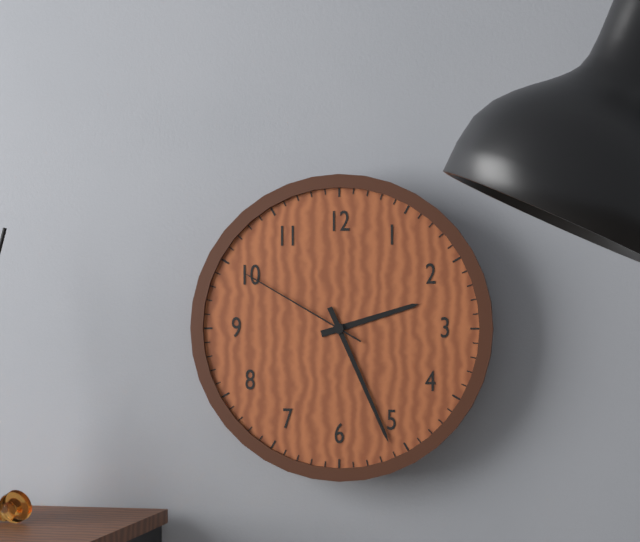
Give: 2:26:50
